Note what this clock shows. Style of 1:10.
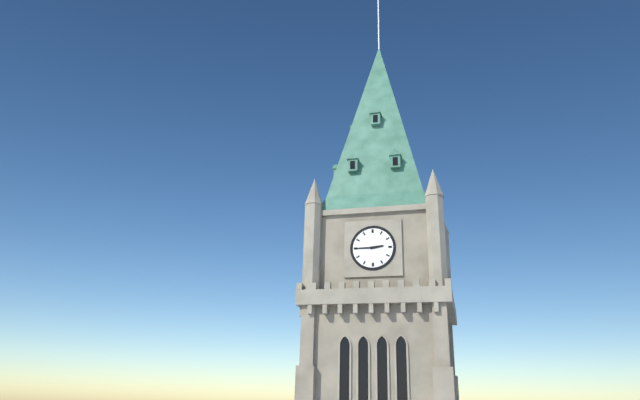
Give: 2:45
